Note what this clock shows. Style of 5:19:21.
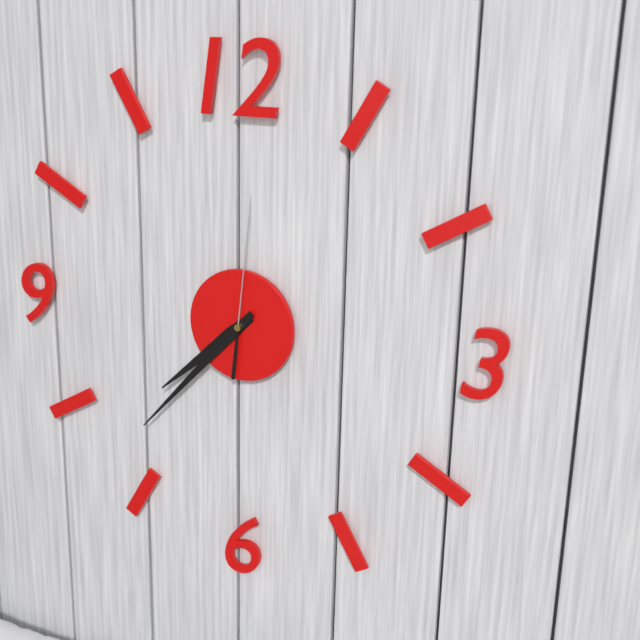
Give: 7:37:01
